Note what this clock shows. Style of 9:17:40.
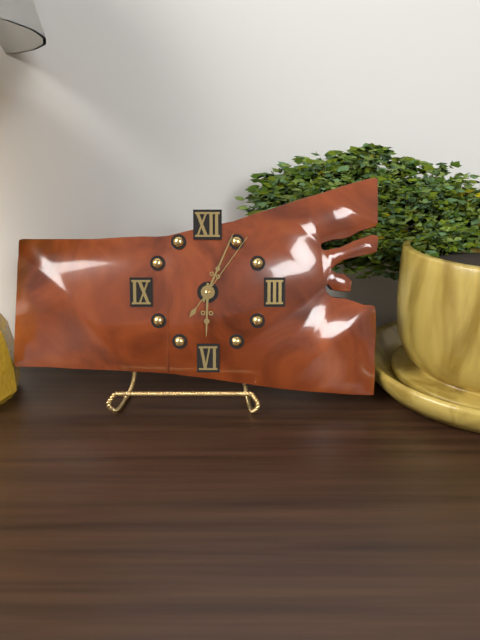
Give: 6:04:06
